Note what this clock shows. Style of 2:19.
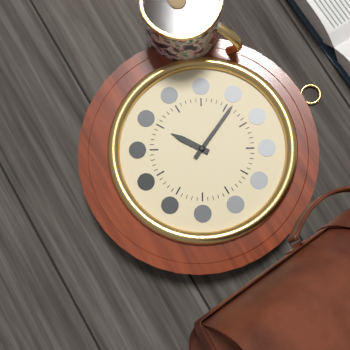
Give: 7:56
